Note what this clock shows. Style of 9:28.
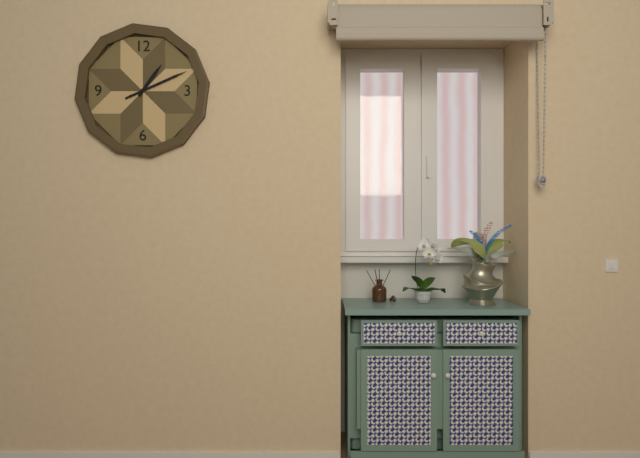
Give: 1:11
